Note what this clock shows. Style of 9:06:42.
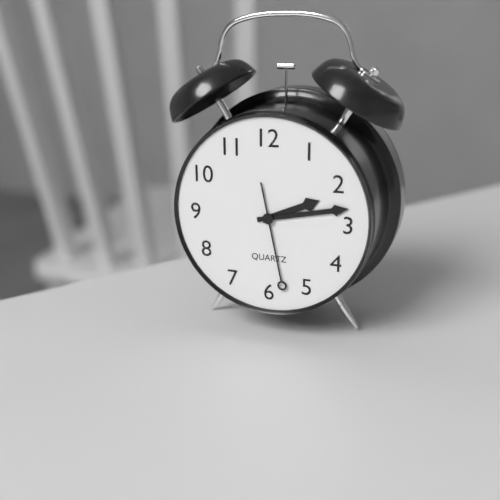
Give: 2:13:28
